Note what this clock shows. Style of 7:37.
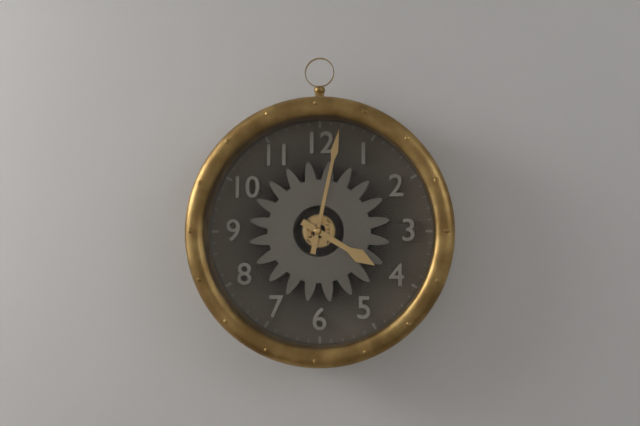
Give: 4:02
